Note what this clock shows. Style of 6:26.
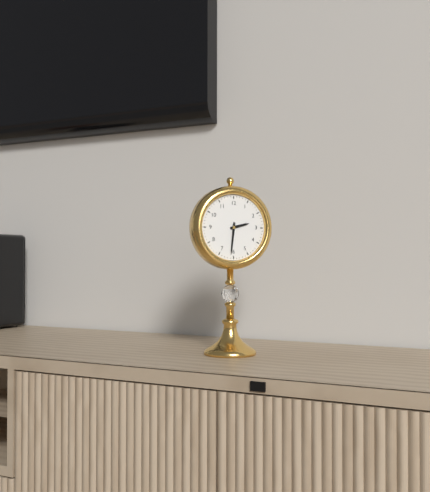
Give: 2:31
